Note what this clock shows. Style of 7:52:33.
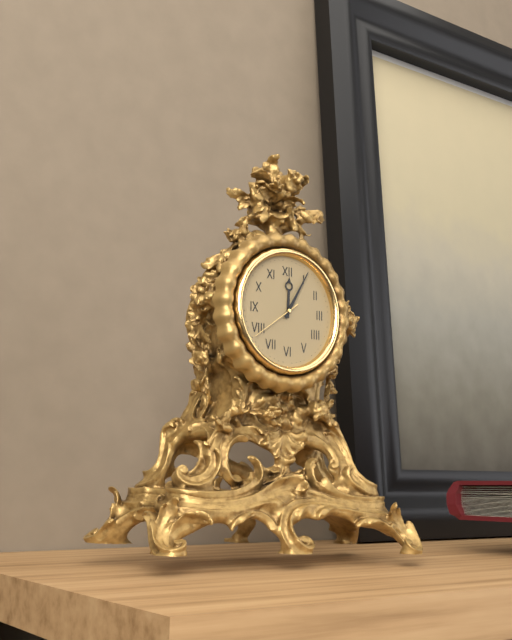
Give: 12:05:39
